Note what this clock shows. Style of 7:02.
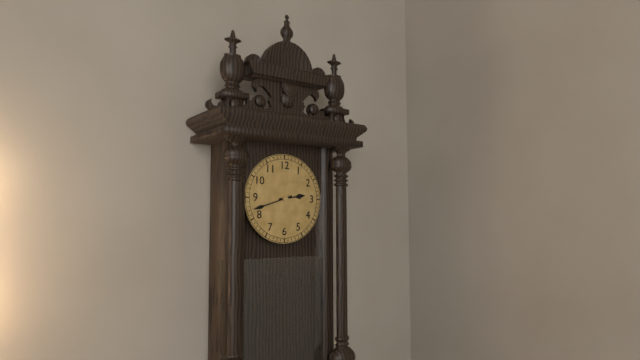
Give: 2:42
